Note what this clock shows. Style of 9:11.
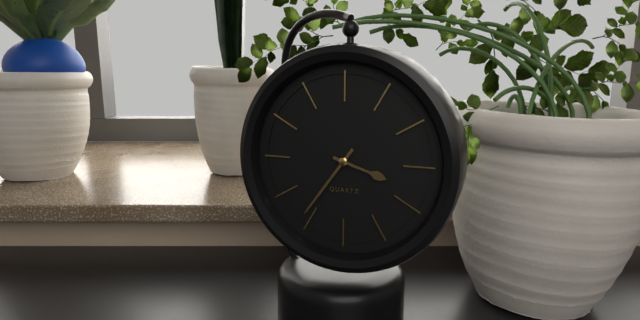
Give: 3:36
